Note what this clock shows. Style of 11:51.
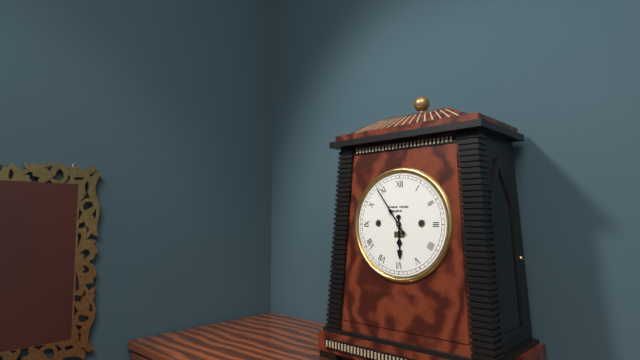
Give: 5:54
